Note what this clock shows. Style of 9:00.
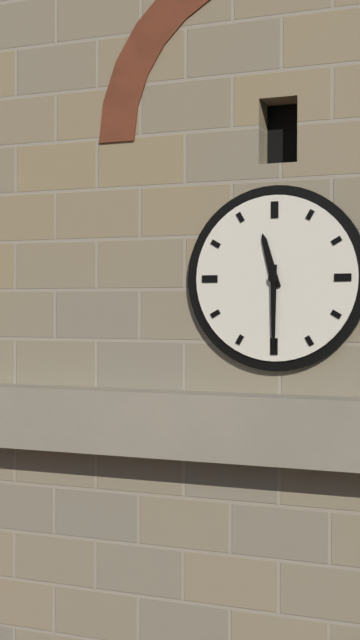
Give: 11:30
